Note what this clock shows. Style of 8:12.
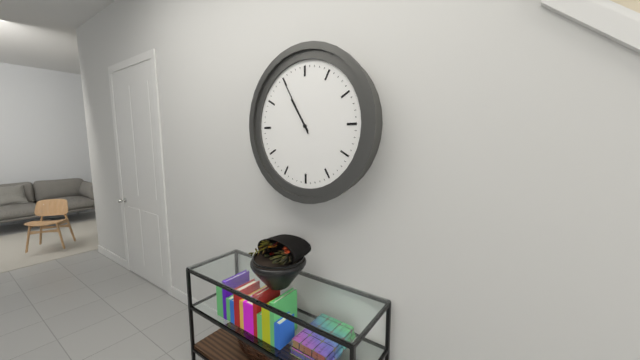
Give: 10:55
